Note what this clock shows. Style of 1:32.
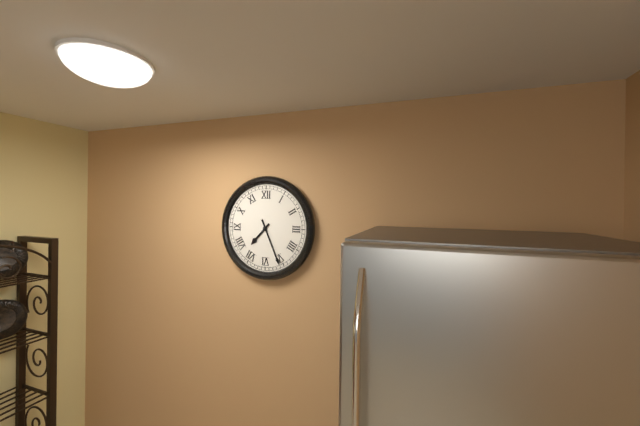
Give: 7:26
